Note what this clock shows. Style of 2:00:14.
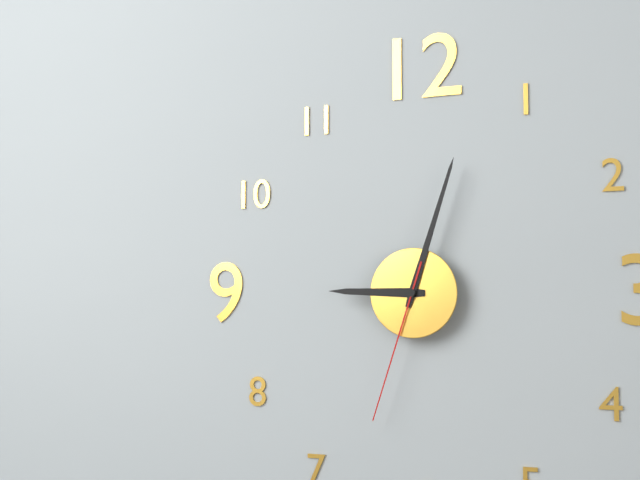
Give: 9:03:33
